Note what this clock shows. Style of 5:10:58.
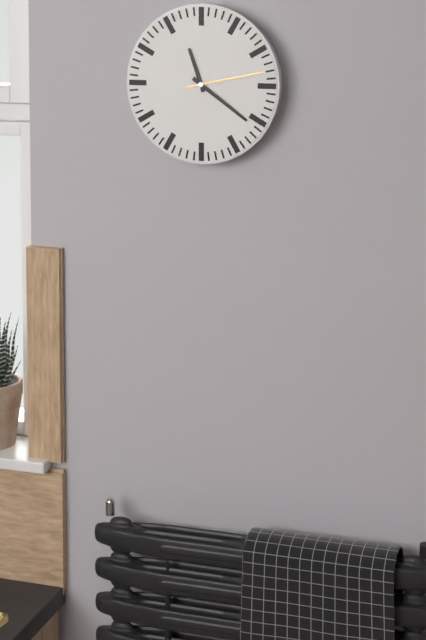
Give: 11:21:13
